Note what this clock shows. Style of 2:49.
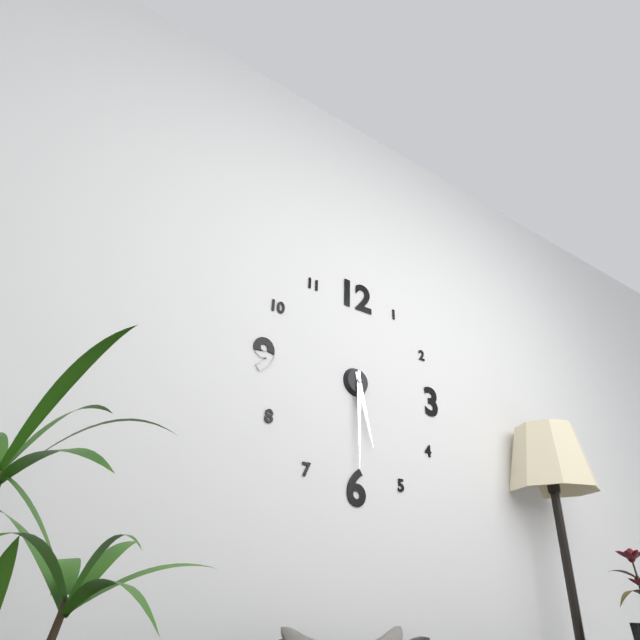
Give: 5:30
